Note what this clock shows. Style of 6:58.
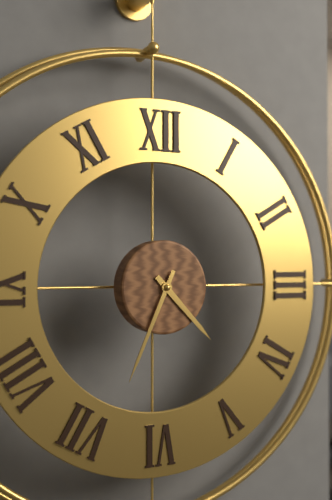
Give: 4:34
